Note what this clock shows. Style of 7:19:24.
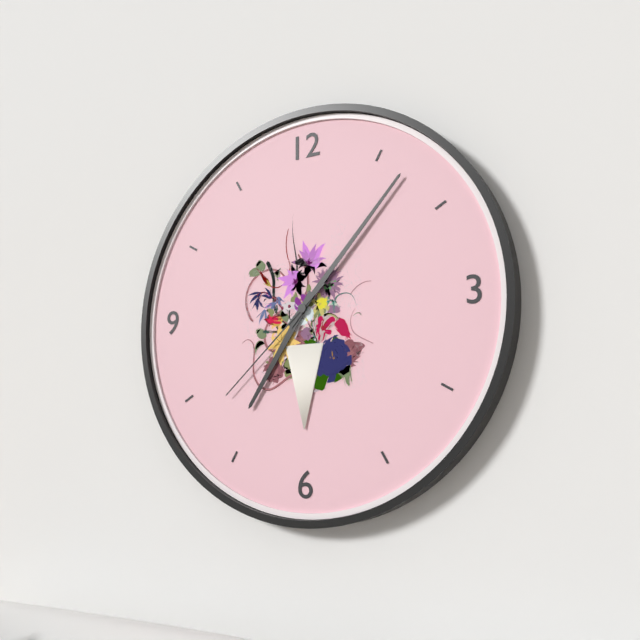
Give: 7:07:38
